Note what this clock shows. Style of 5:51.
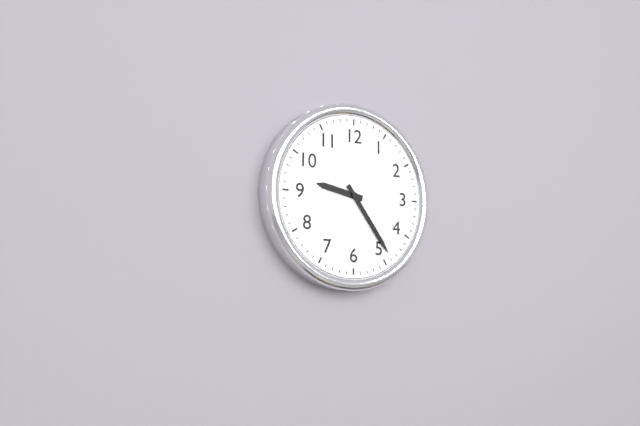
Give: 9:24
